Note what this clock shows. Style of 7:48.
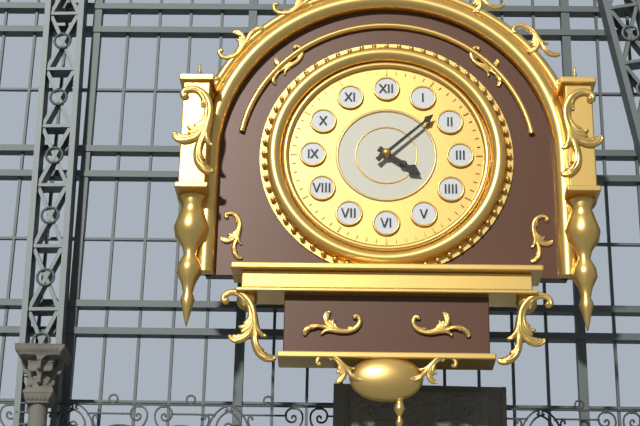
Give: 4:08
